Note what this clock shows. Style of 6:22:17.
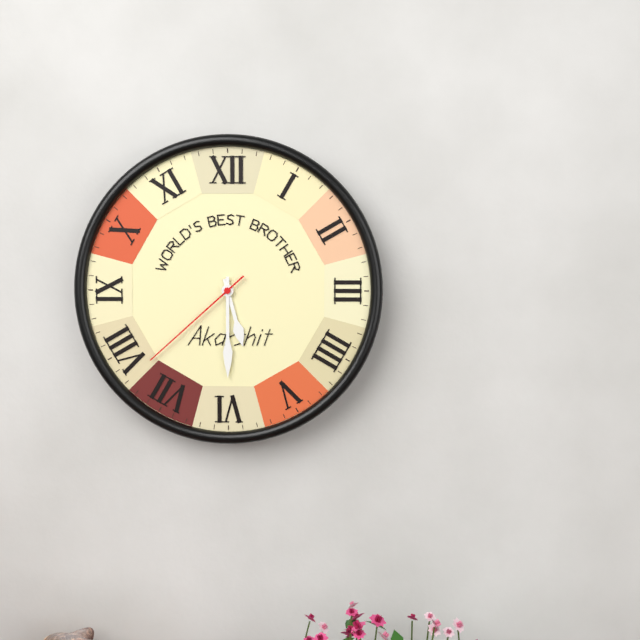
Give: 5:30:38
